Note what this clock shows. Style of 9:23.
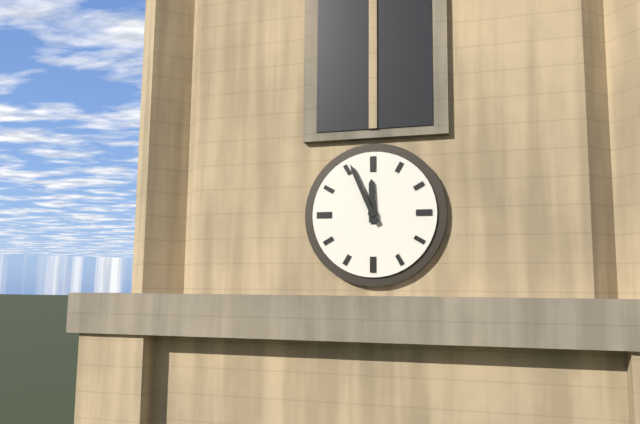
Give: 11:56
